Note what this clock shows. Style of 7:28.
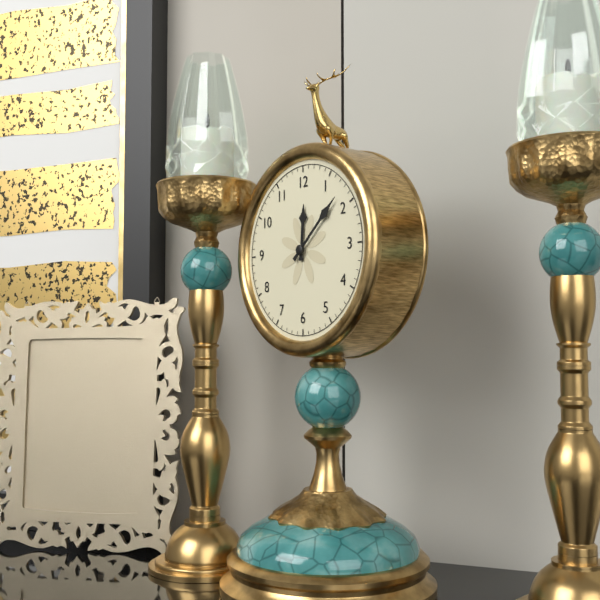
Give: 12:08
